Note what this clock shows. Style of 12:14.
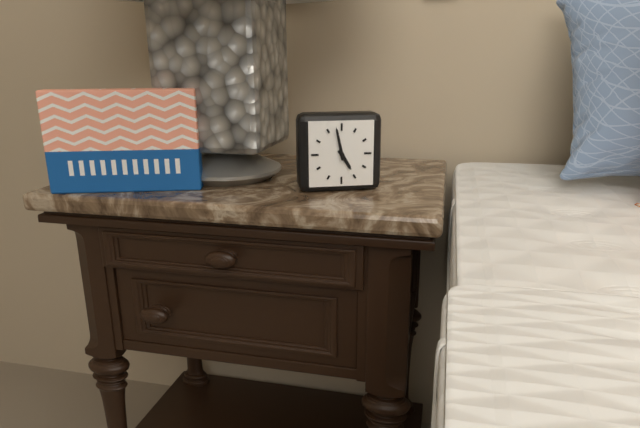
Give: 4:58
